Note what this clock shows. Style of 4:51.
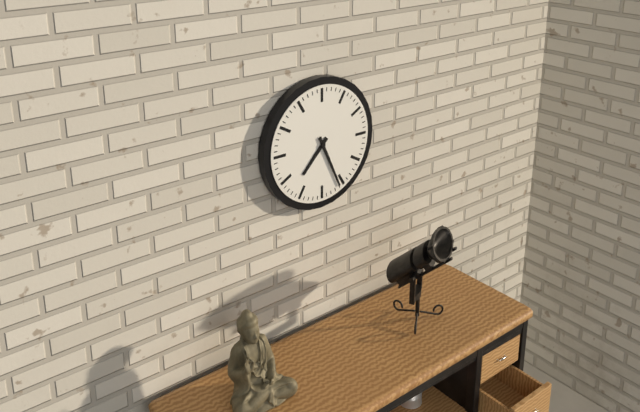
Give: 7:26
